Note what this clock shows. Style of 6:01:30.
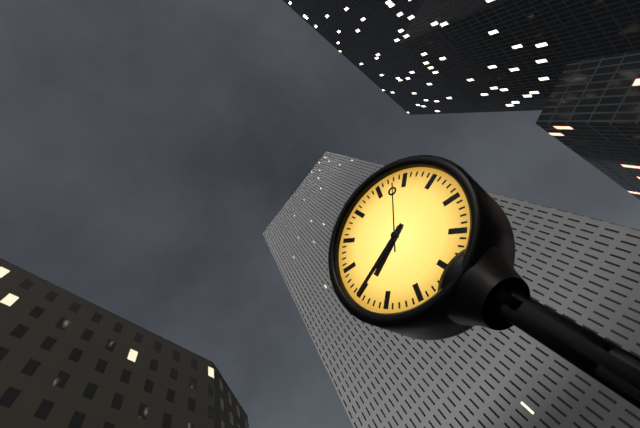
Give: 8:45:08
